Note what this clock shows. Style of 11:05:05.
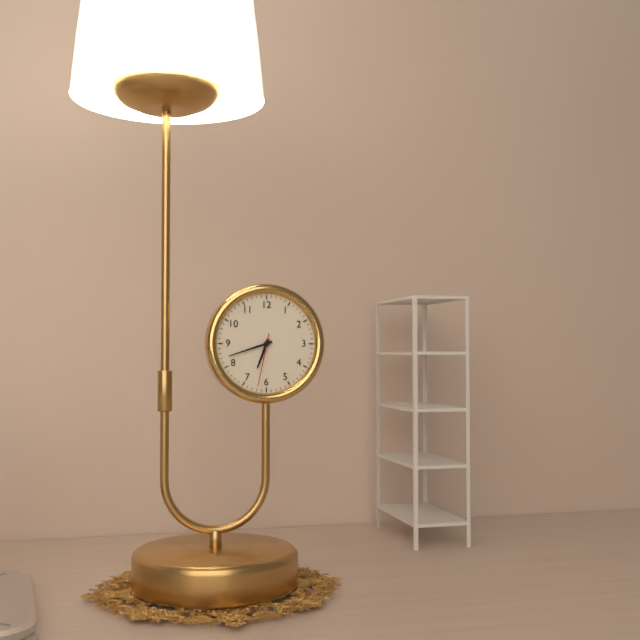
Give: 6:42:32
